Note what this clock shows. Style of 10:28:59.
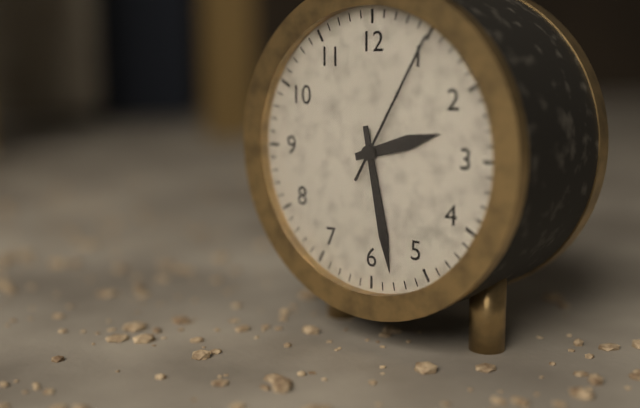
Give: 2:28:05
